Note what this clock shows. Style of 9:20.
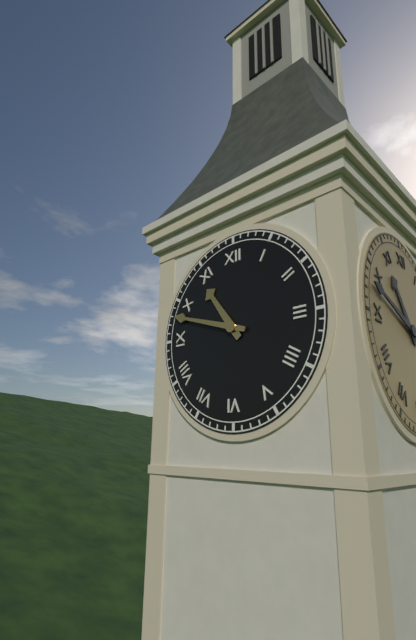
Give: 10:48
